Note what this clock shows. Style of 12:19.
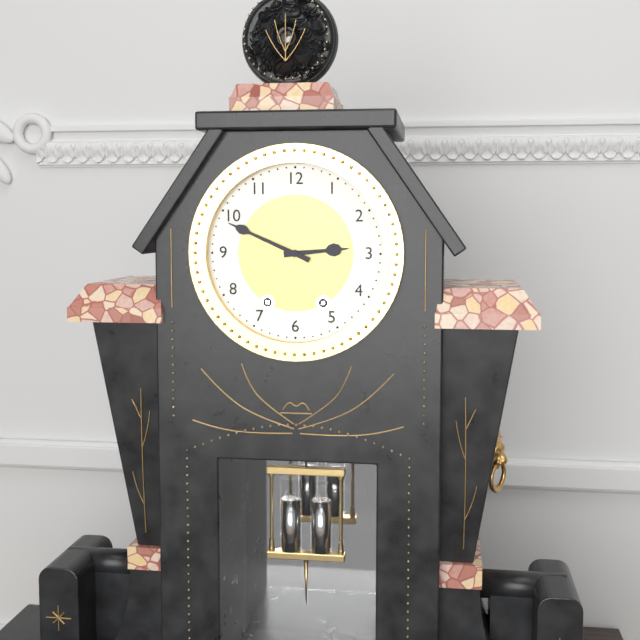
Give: 2:49
